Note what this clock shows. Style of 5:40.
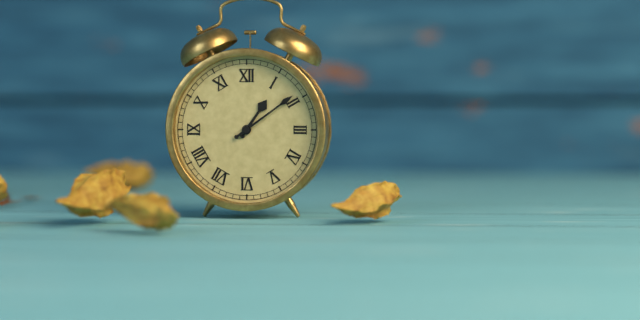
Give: 1:09
